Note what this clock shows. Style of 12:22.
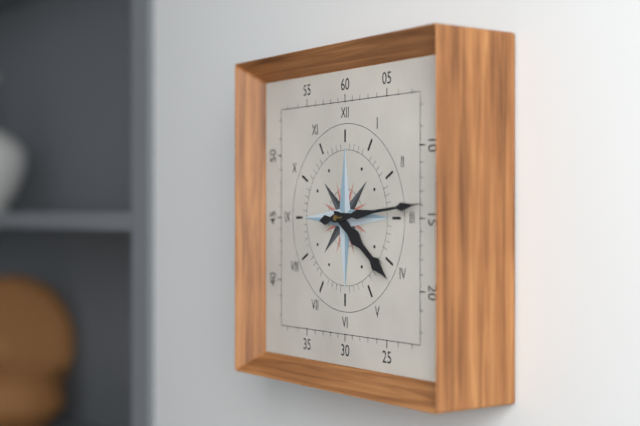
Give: 4:14
